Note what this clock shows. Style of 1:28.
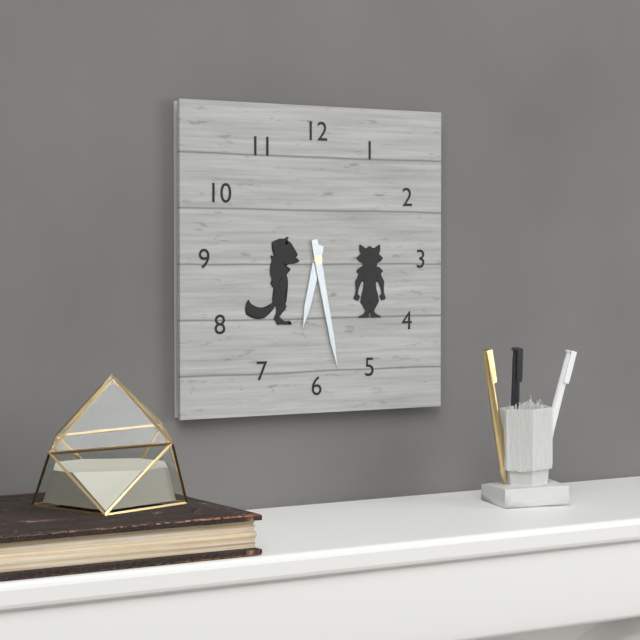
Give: 6:28
